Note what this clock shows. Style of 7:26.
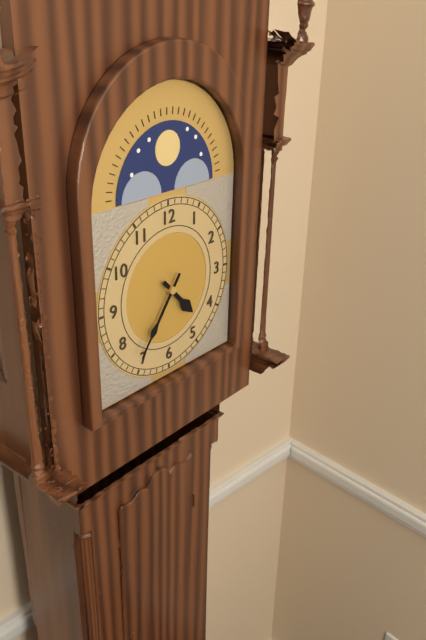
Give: 4:36
